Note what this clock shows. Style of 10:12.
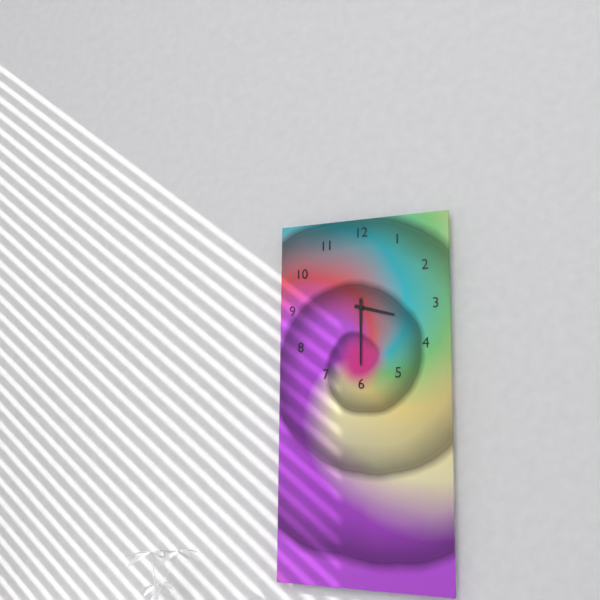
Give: 3:30
